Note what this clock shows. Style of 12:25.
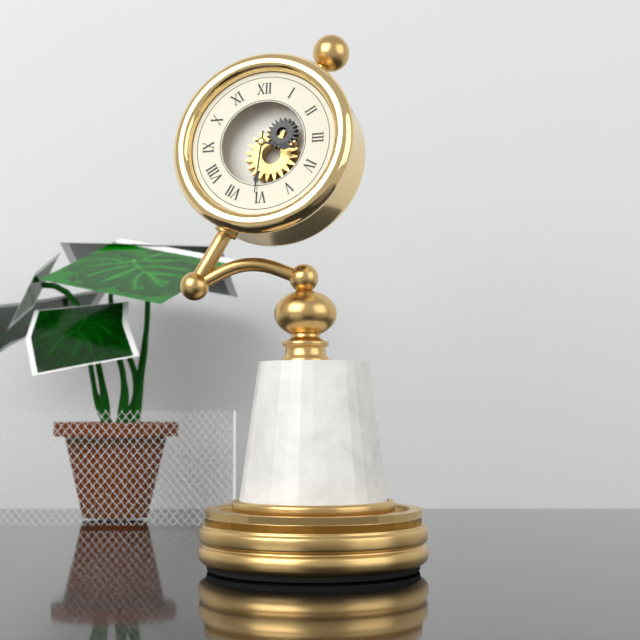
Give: 3:31
